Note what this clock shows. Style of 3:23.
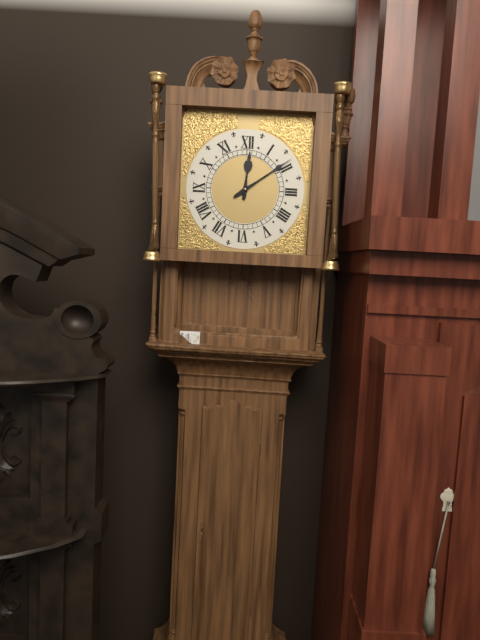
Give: 12:09
